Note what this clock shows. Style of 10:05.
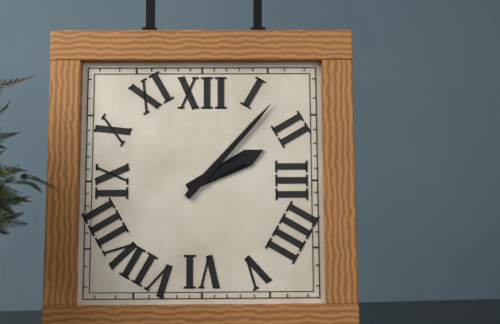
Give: 2:07
